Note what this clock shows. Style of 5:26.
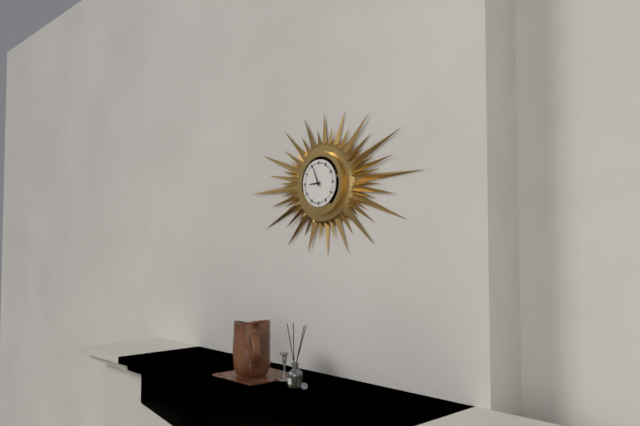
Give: 8:56
